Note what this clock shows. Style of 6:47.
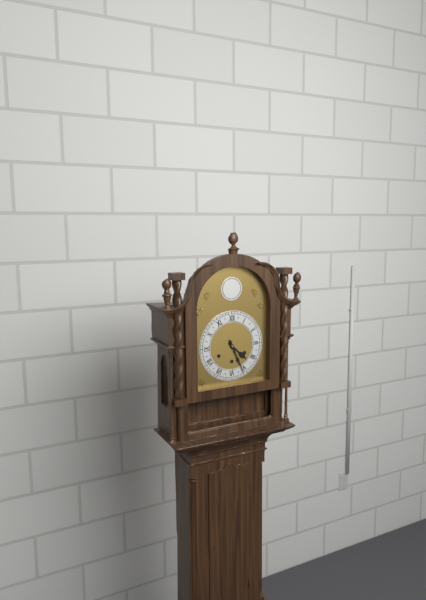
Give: 4:26
